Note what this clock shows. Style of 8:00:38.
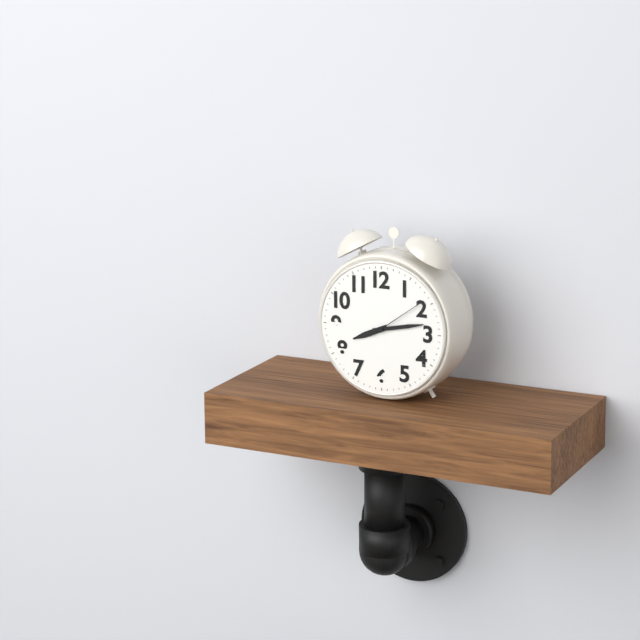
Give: 8:13:09
